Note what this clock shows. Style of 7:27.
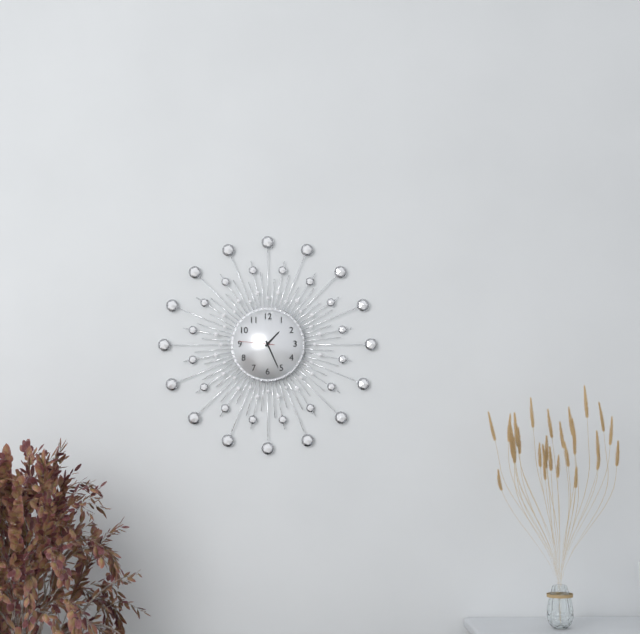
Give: 1:26
